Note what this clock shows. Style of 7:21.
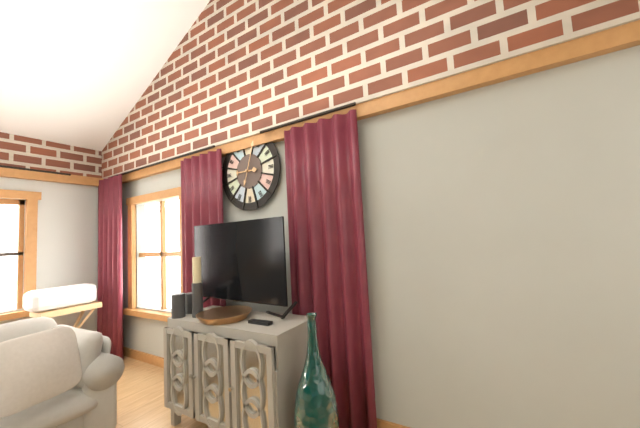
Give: 9:03
